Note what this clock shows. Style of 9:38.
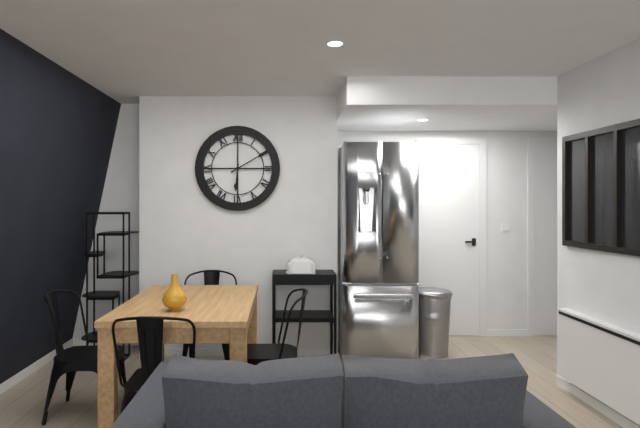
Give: 6:10
